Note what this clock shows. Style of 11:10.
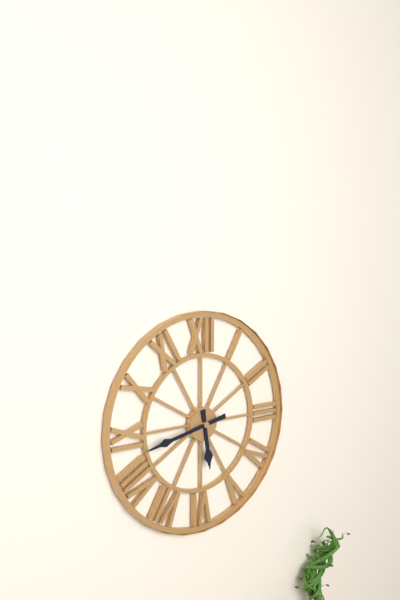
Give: 5:43
